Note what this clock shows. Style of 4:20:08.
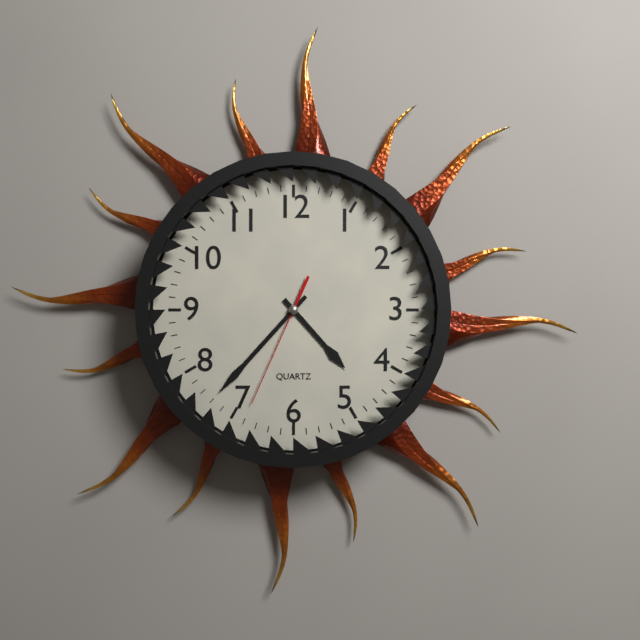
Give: 4:37:34
